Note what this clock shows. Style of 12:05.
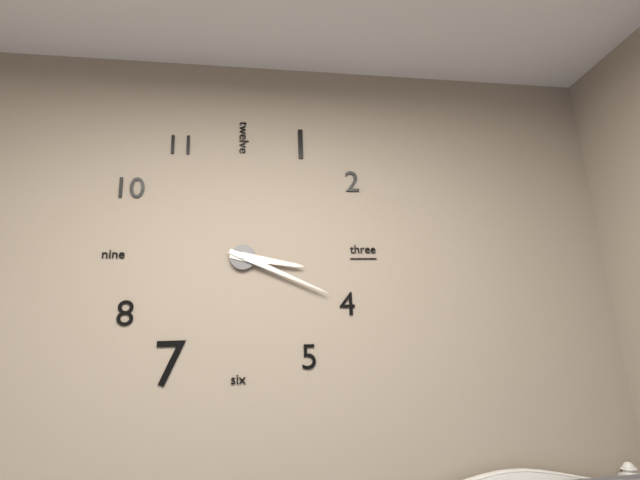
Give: 3:19
